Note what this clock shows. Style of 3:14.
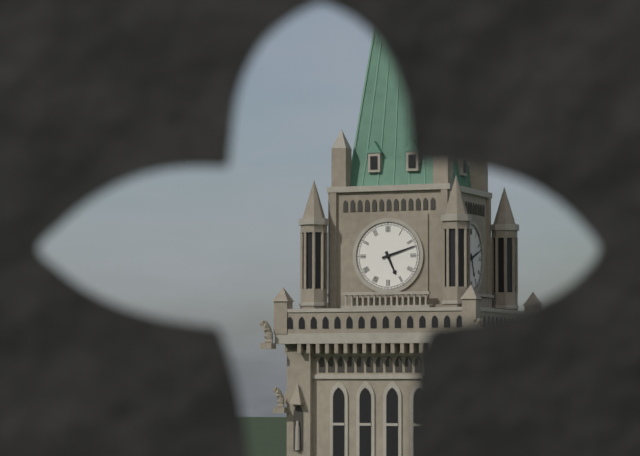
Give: 5:12
